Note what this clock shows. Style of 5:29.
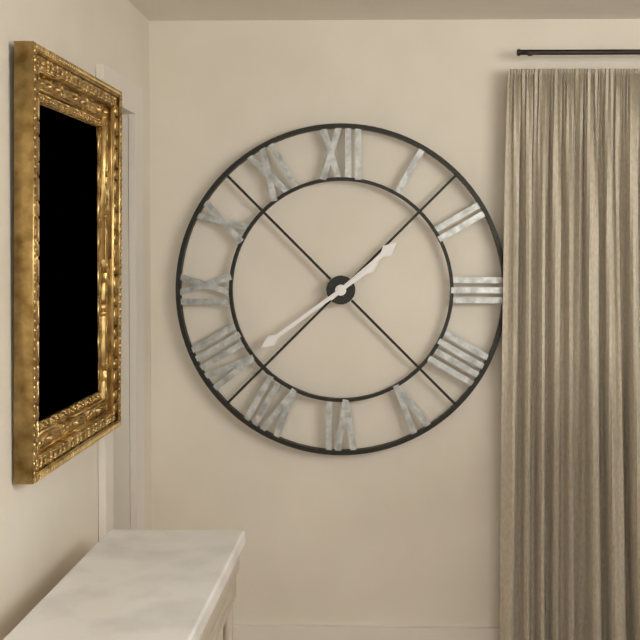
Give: 1:39
